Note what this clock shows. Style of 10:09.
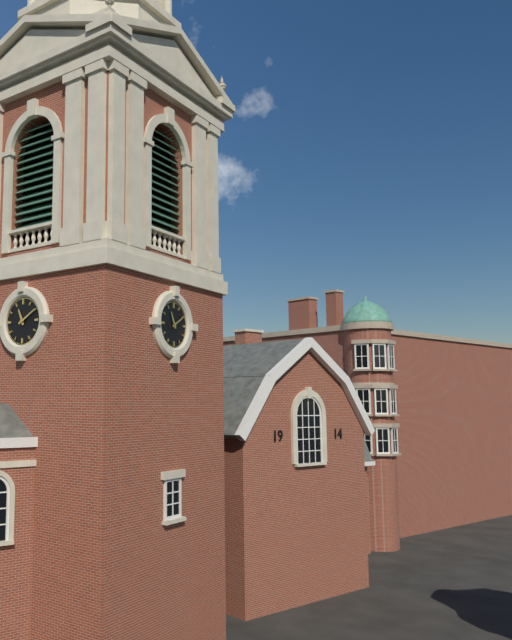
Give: 11:10
